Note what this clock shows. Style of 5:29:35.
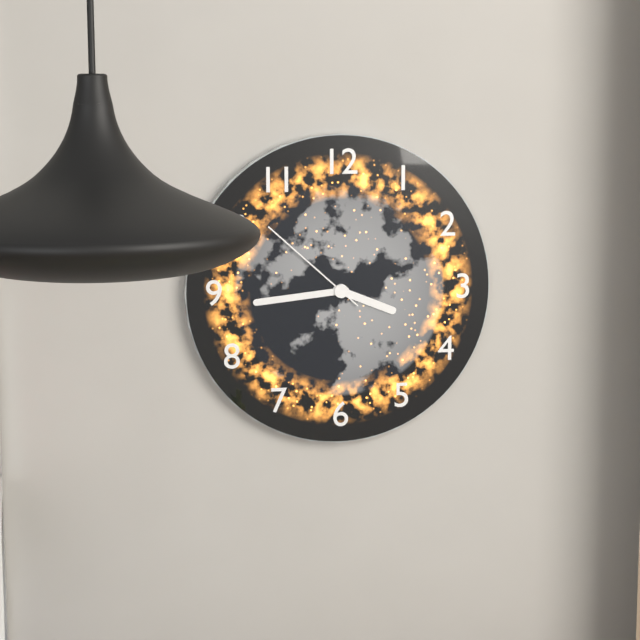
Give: 3:44:52
